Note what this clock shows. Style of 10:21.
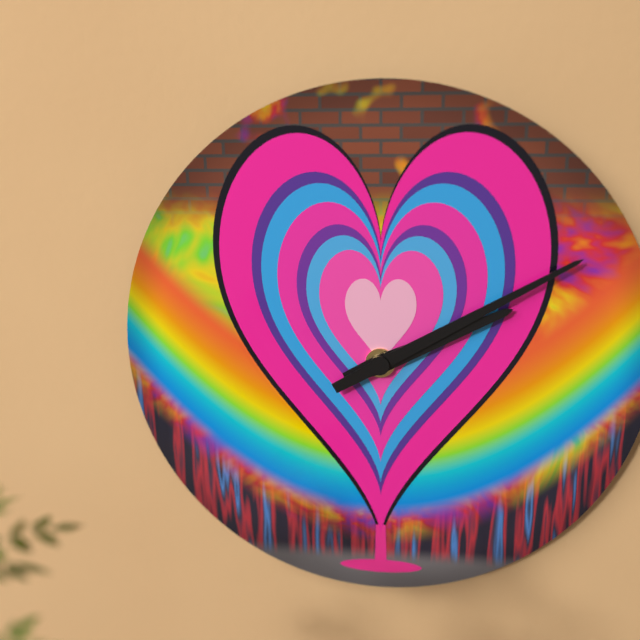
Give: 2:10
